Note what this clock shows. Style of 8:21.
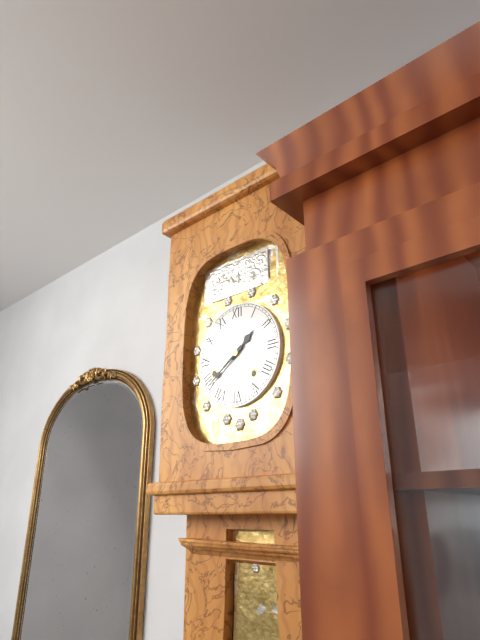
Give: 1:39
